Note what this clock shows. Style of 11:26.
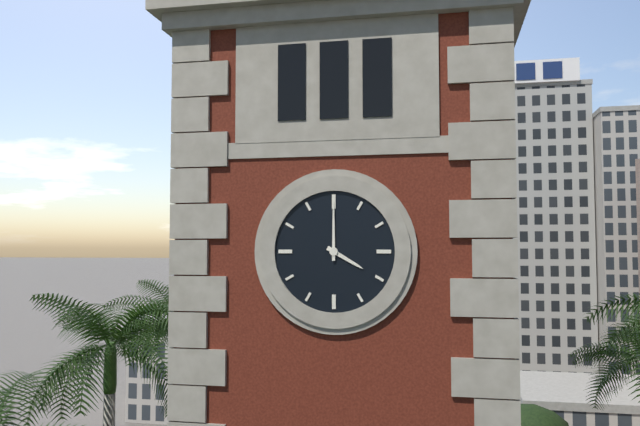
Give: 4:00
